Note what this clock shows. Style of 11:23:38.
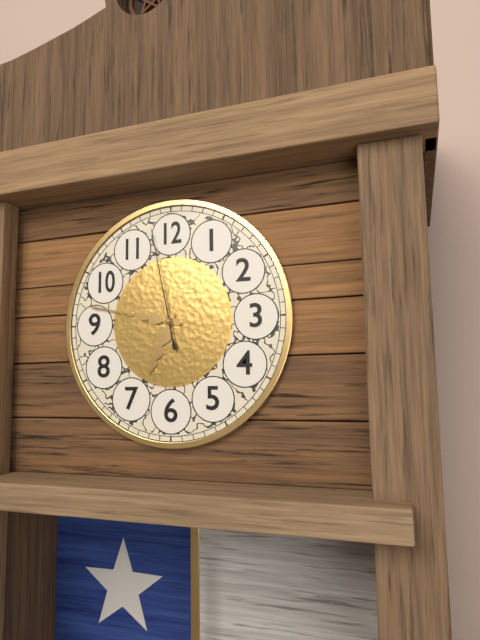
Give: 6:47:58
